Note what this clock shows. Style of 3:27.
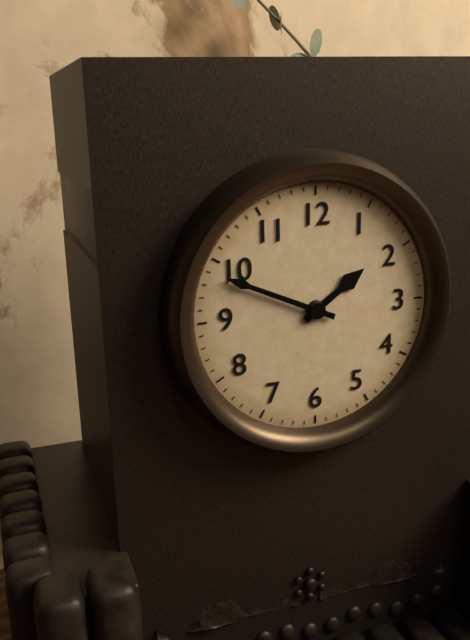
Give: 1:49
